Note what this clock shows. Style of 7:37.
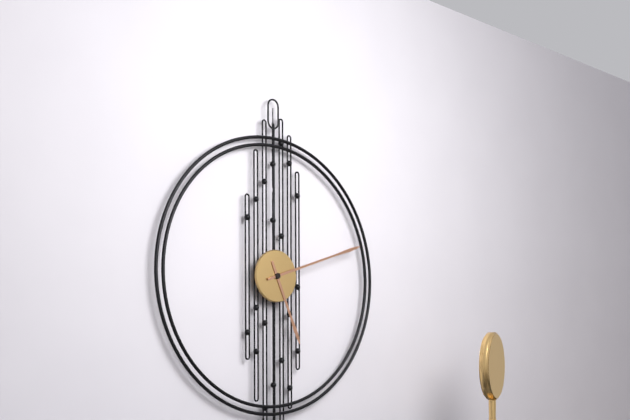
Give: 5:12
